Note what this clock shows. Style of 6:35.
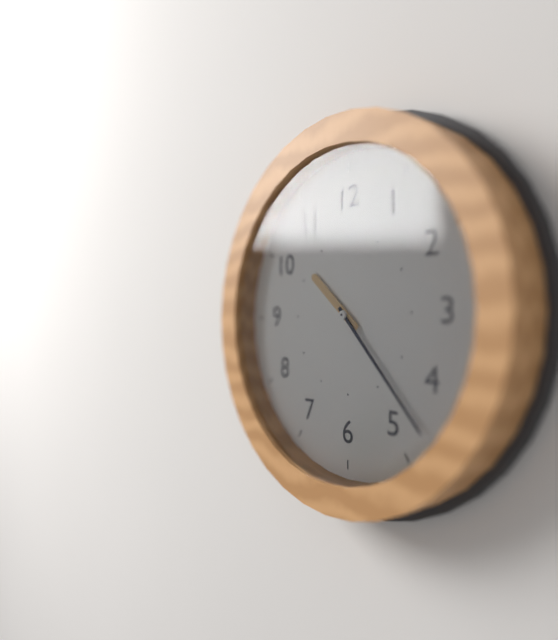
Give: 10:23
